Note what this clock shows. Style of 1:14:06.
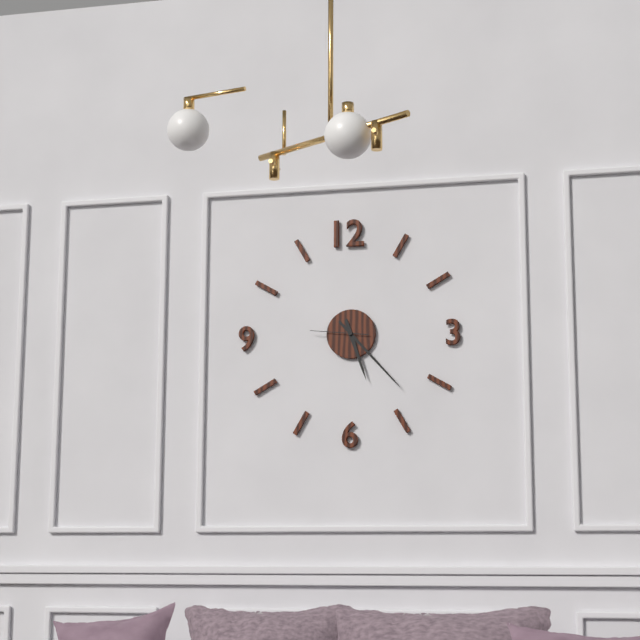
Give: 5:23:46
